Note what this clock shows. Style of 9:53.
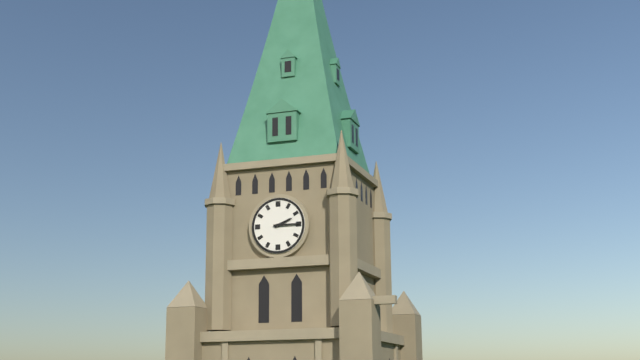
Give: 2:15
